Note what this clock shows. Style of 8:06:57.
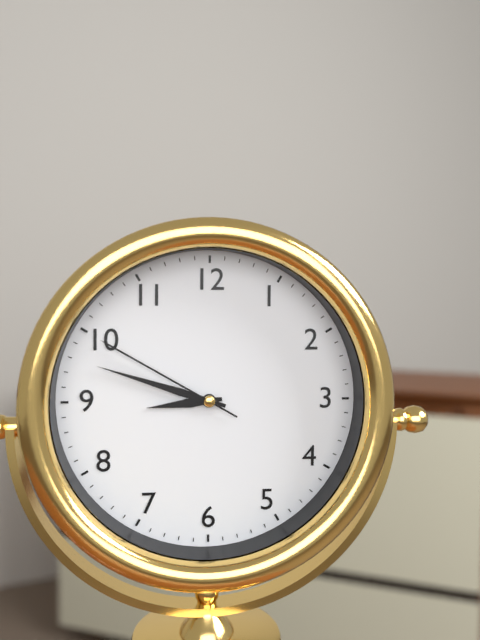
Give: 8:48:50
